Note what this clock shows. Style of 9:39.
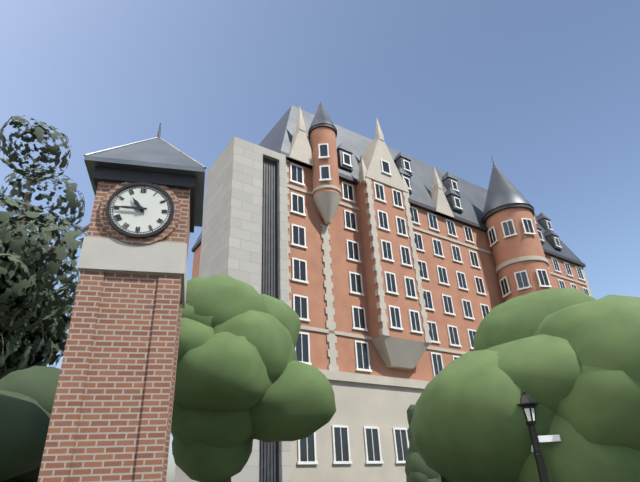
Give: 10:45
